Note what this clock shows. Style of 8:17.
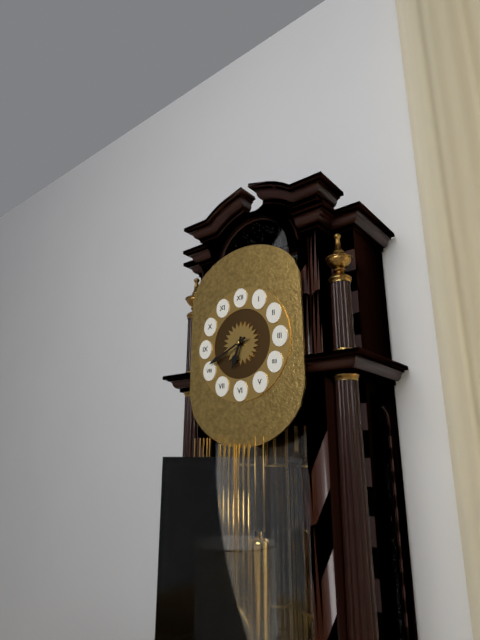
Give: 6:41
